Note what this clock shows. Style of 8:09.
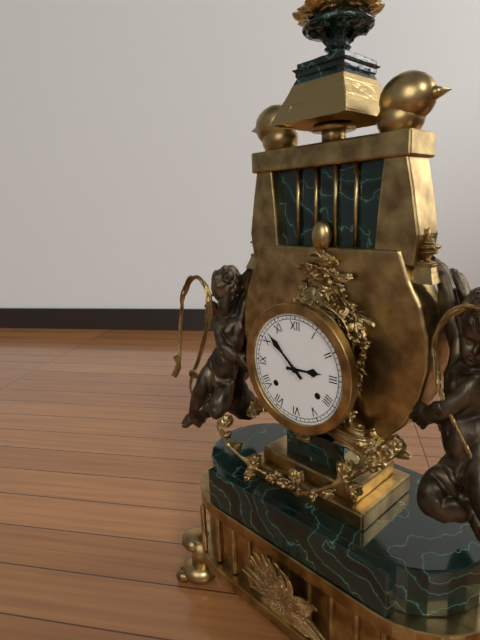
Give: 2:52
